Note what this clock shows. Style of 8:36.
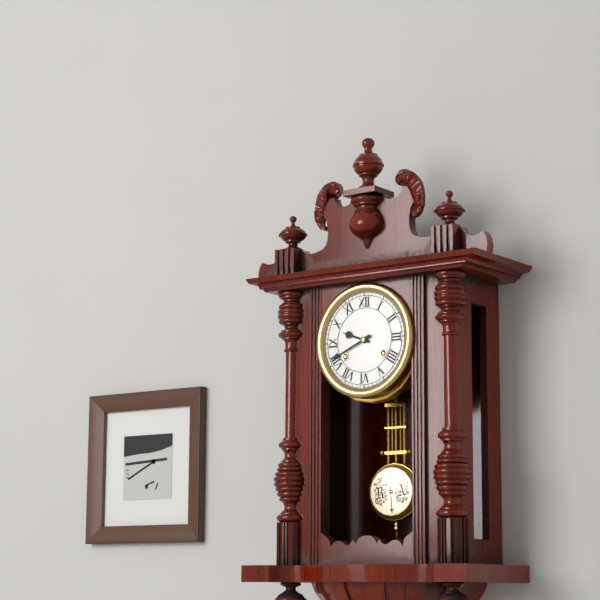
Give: 9:41
